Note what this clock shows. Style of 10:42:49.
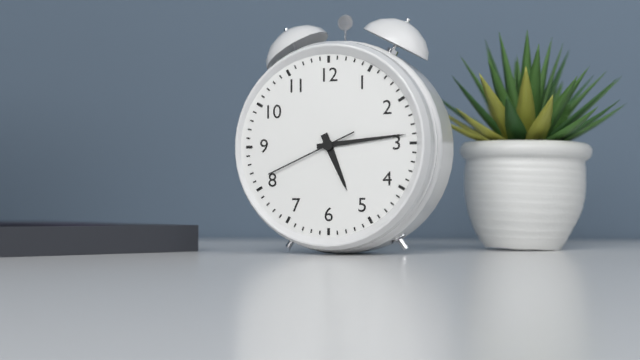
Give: 5:14:41
